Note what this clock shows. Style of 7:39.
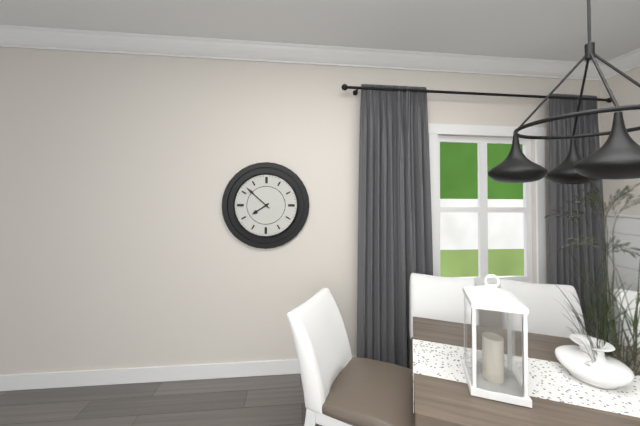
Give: 7:52
